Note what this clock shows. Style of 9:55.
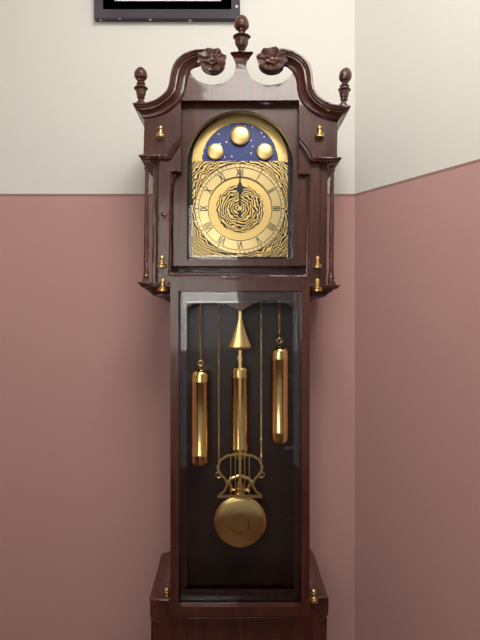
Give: 12:00
